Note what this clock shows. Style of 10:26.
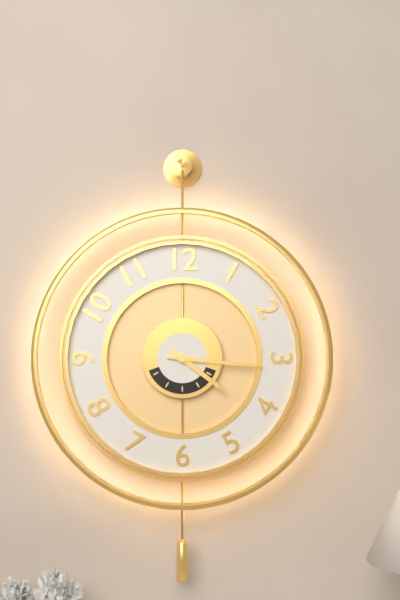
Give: 4:16
